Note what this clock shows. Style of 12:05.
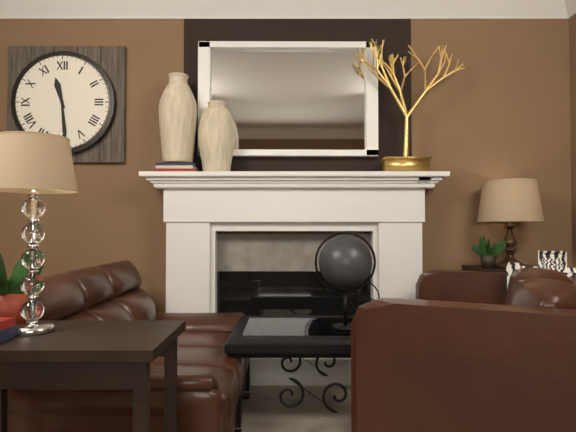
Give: 11:29
